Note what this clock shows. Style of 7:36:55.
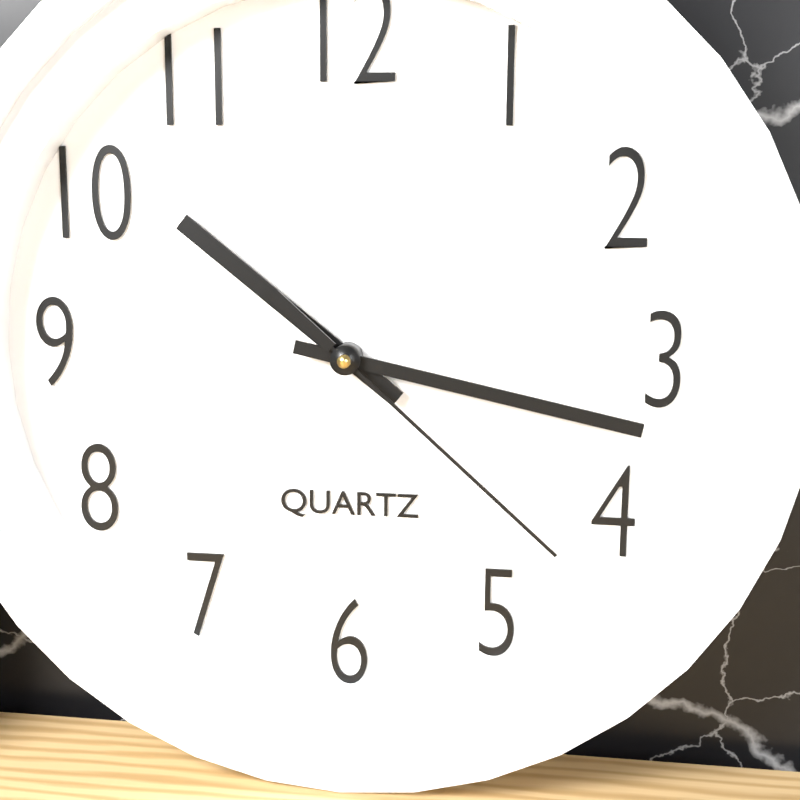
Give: 10:17:22
